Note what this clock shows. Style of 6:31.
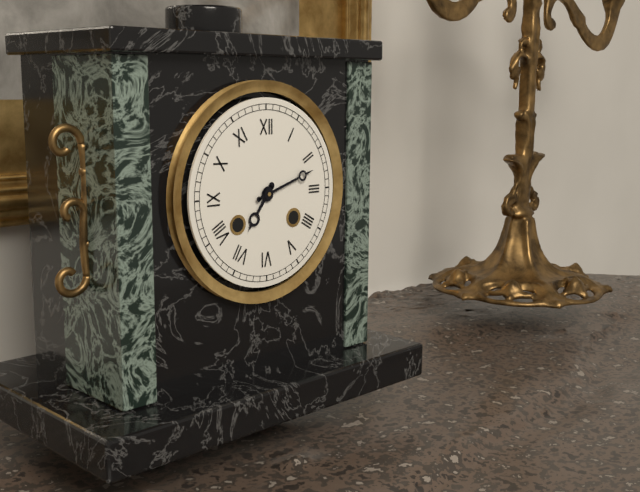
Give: 7:12
